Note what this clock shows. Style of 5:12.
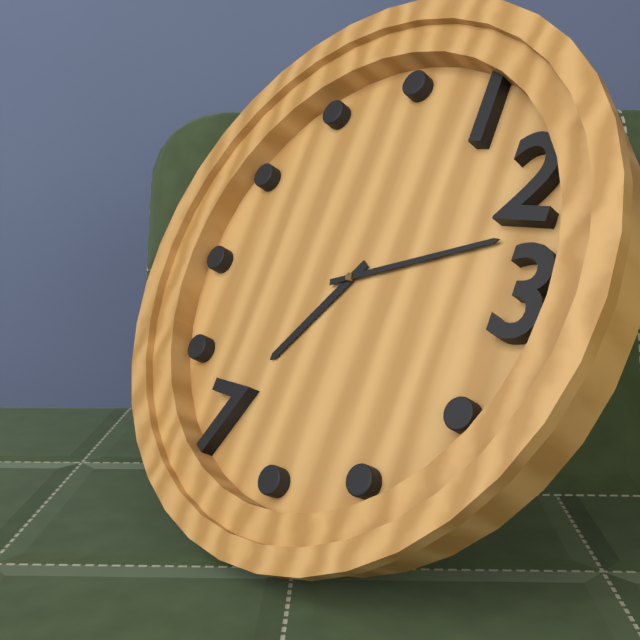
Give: 7:12
